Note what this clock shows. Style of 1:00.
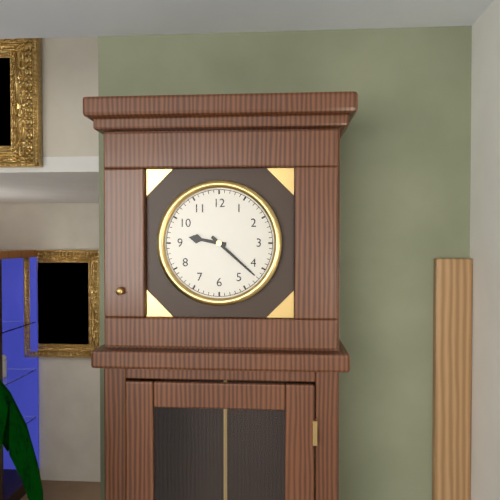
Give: 9:22
